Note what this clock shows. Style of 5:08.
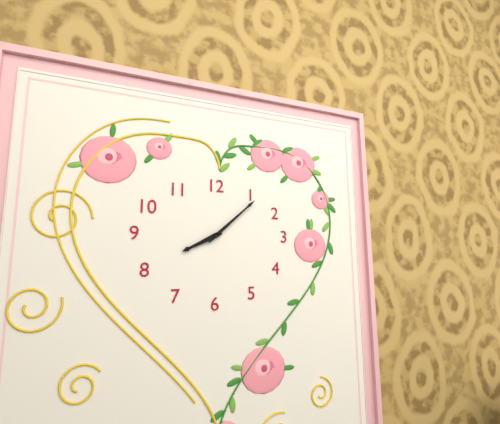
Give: 8:08
